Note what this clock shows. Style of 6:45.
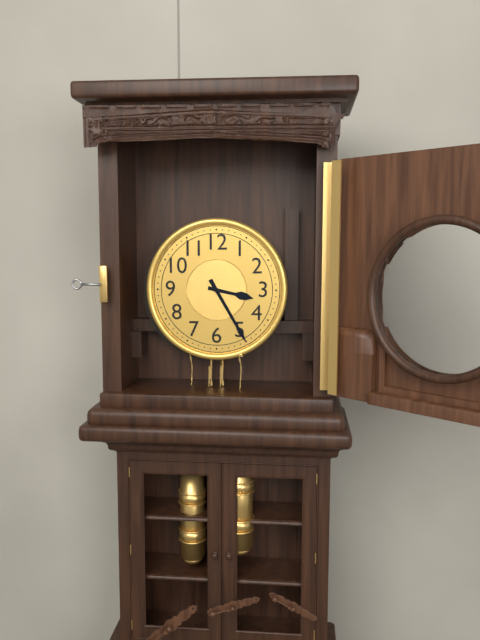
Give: 3:25
